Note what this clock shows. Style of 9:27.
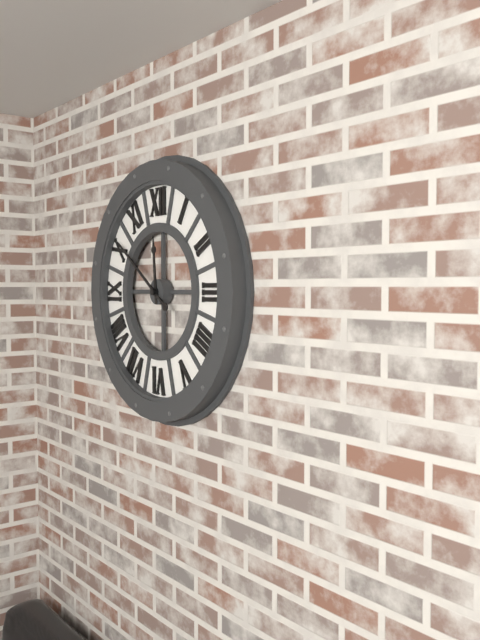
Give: 11:51
